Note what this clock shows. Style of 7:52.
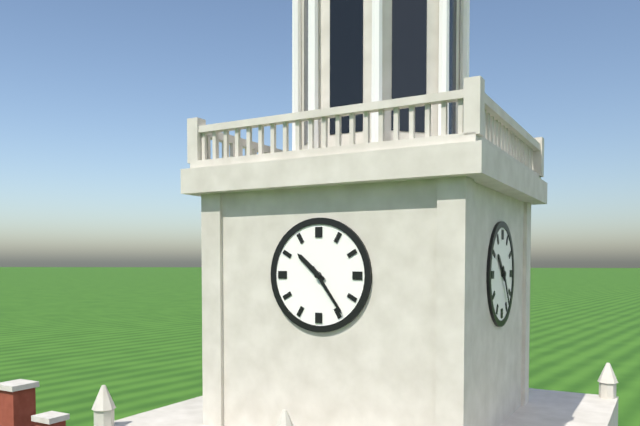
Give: 10:24
